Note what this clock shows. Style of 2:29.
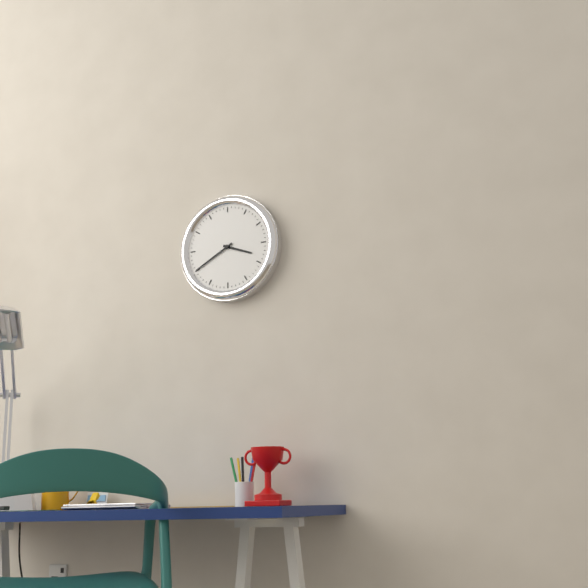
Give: 3:40
